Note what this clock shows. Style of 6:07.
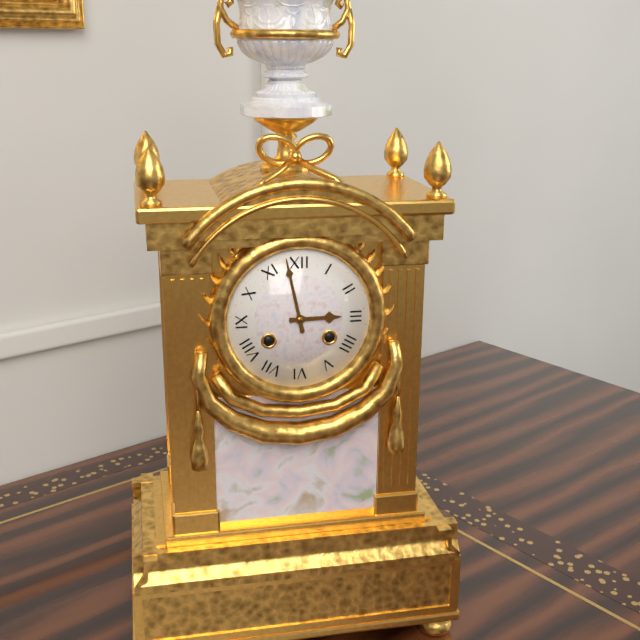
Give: 2:58
